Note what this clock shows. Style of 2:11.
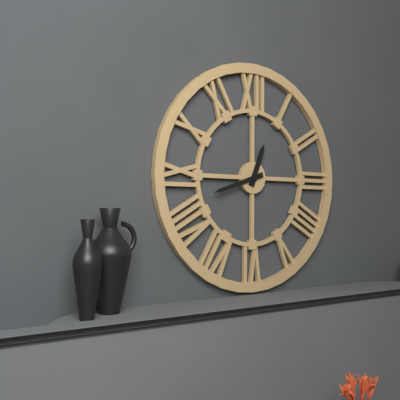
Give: 12:42
